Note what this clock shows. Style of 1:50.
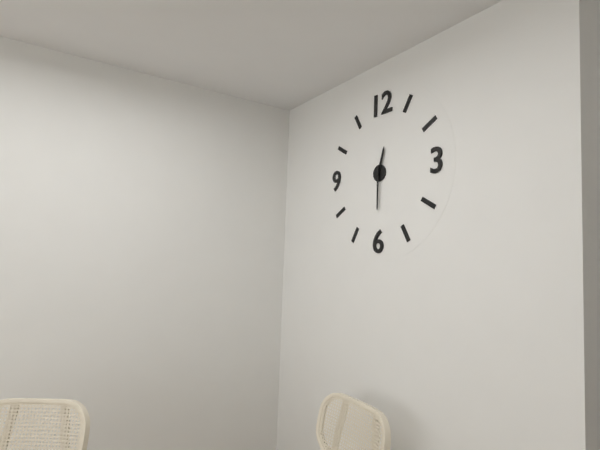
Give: 12:30
